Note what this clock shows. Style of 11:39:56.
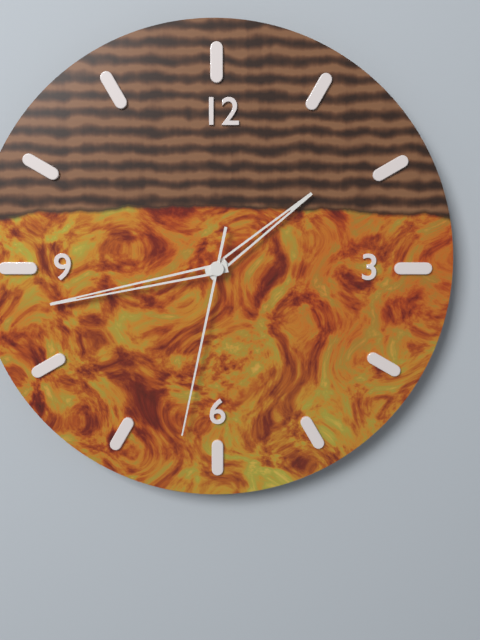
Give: 1:43:32
